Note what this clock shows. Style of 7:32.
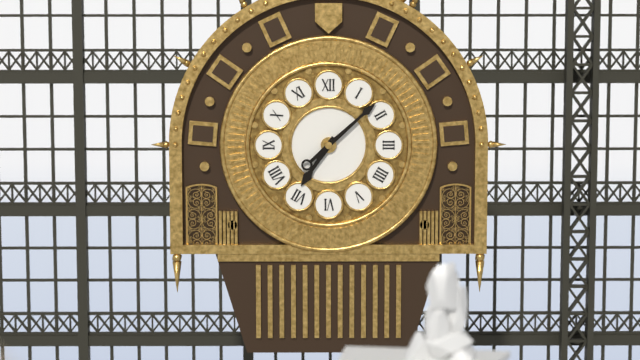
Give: 7:08
